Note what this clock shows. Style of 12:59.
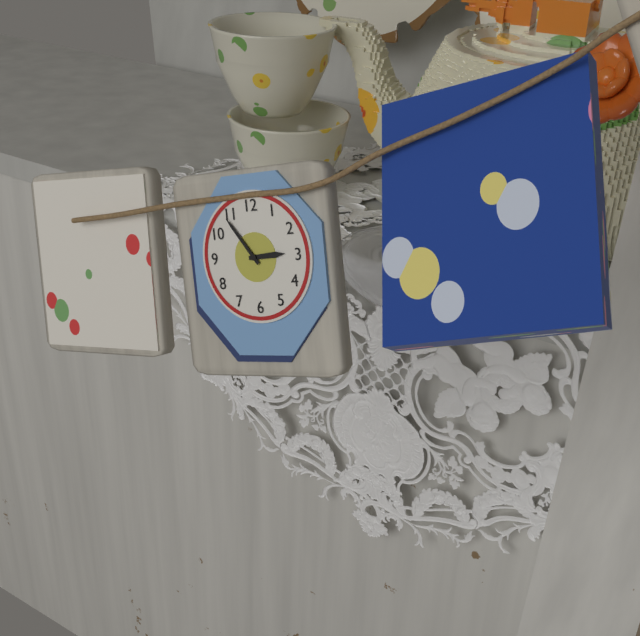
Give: 2:54
